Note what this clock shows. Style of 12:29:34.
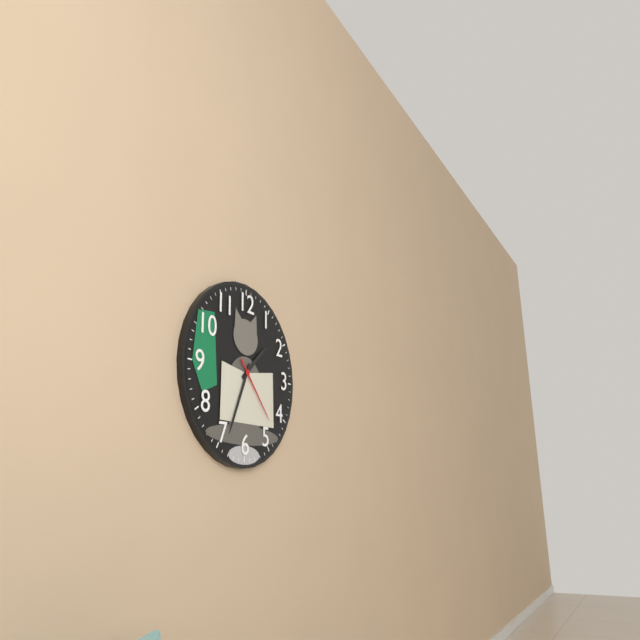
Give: 1:34:23
